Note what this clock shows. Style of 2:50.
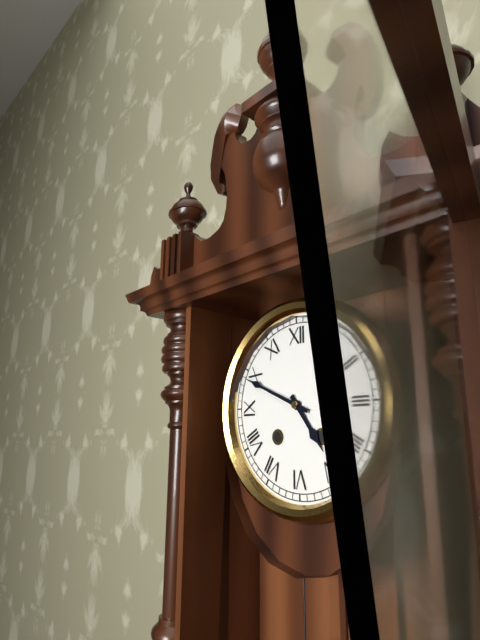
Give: 4:49
